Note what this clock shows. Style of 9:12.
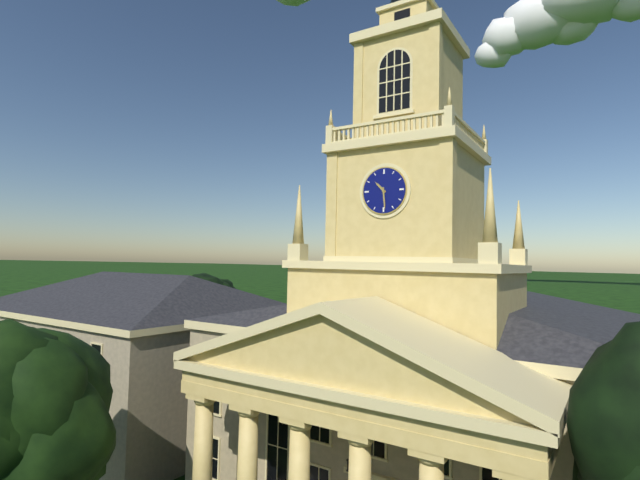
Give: 10:29
